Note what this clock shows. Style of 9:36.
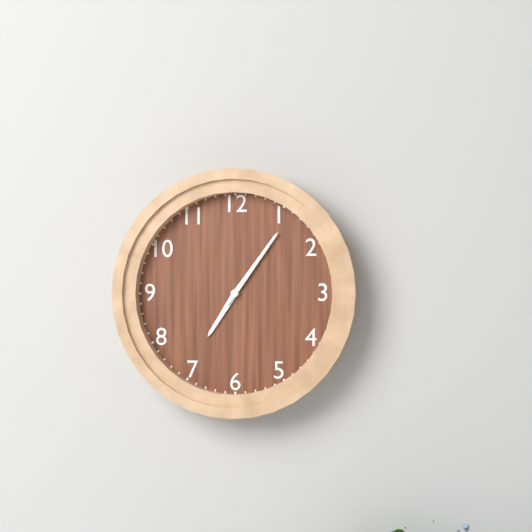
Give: 7:06
